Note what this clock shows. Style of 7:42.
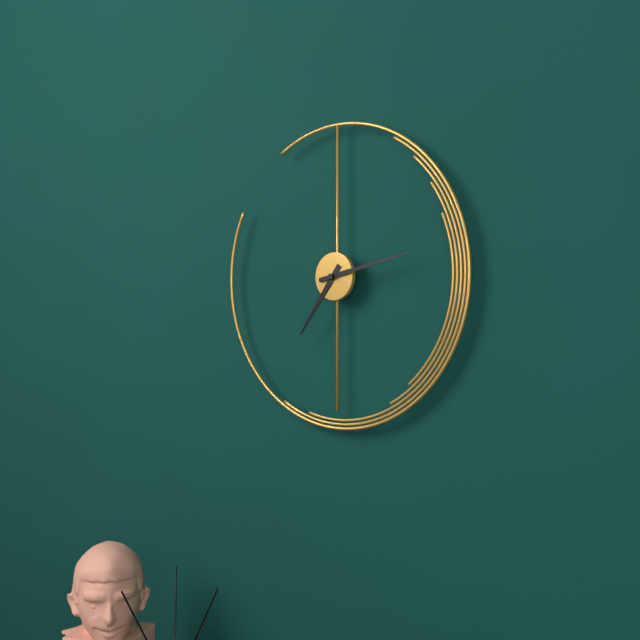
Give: 7:13
